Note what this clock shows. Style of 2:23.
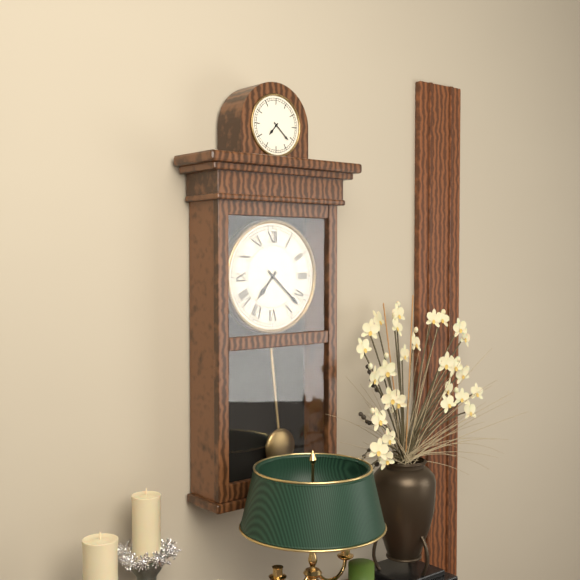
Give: 7:22
